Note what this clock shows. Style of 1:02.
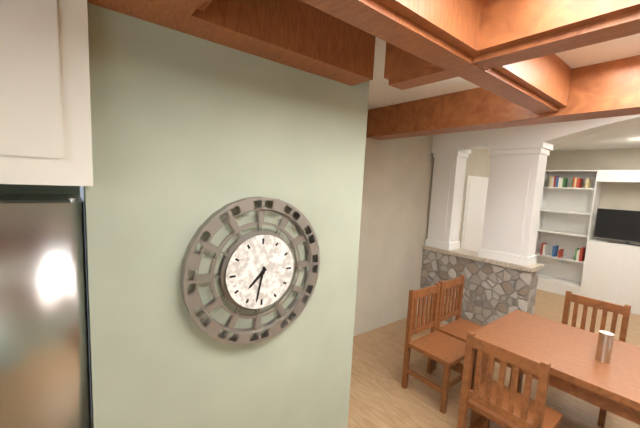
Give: 7:32
